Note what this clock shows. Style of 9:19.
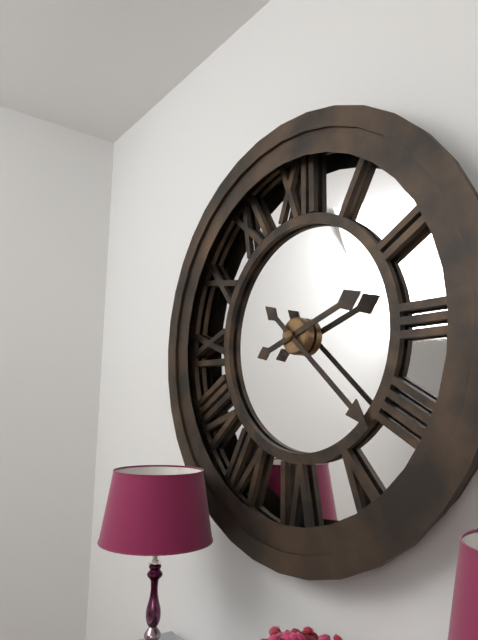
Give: 2:22
